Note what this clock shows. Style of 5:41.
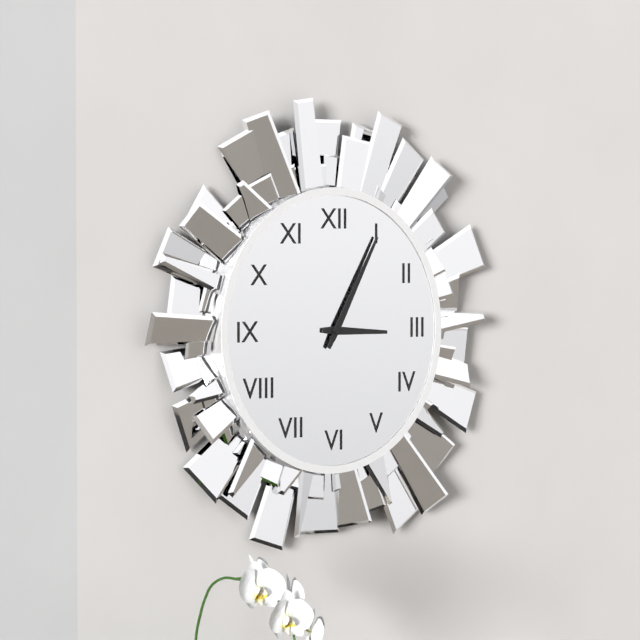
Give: 3:05
